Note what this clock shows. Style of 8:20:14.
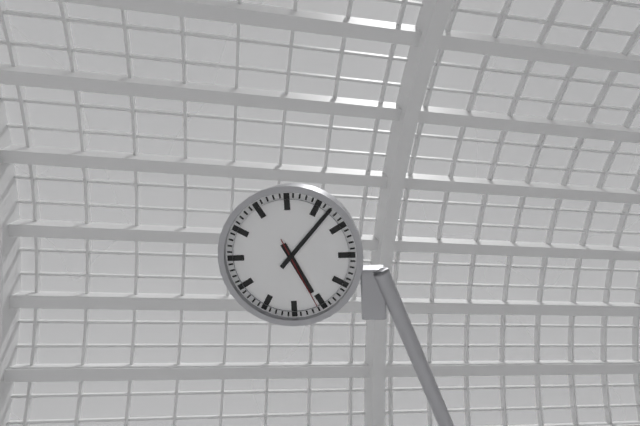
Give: 5:07:26
